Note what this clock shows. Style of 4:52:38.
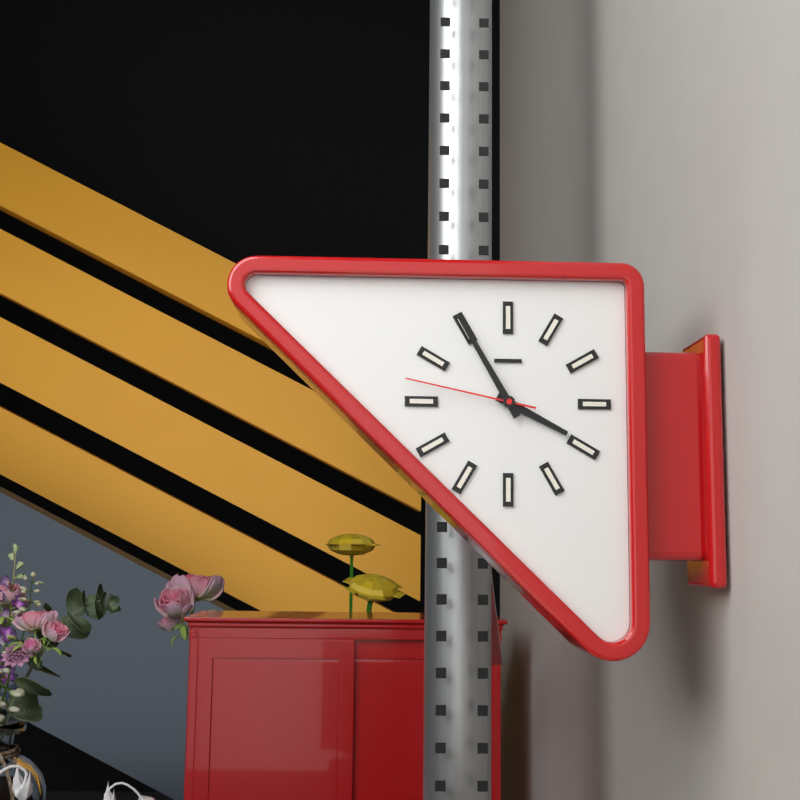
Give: 3:55:47
